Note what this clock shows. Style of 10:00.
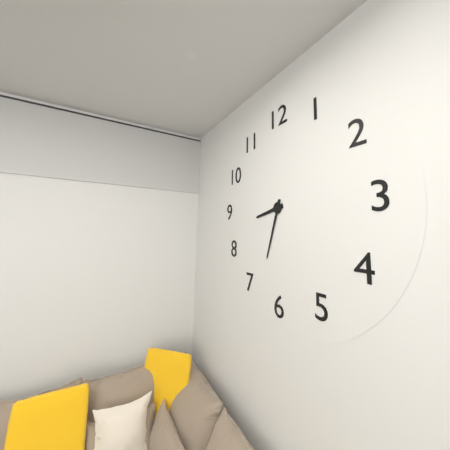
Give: 8:33
